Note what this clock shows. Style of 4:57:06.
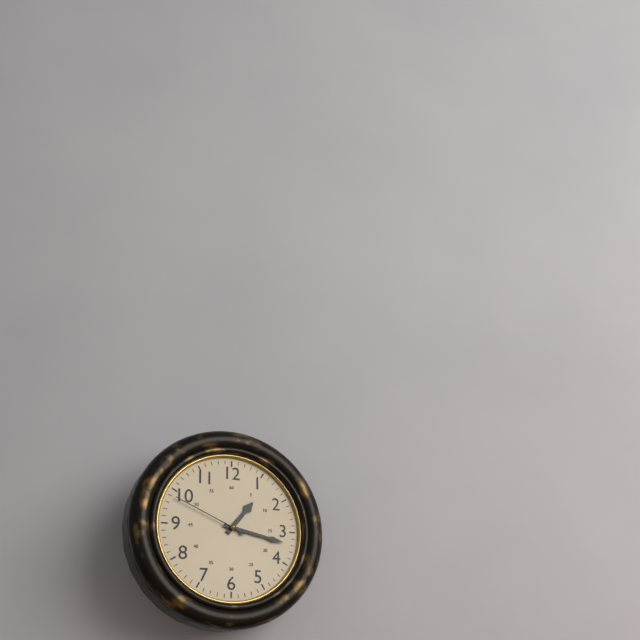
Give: 1:17:49
